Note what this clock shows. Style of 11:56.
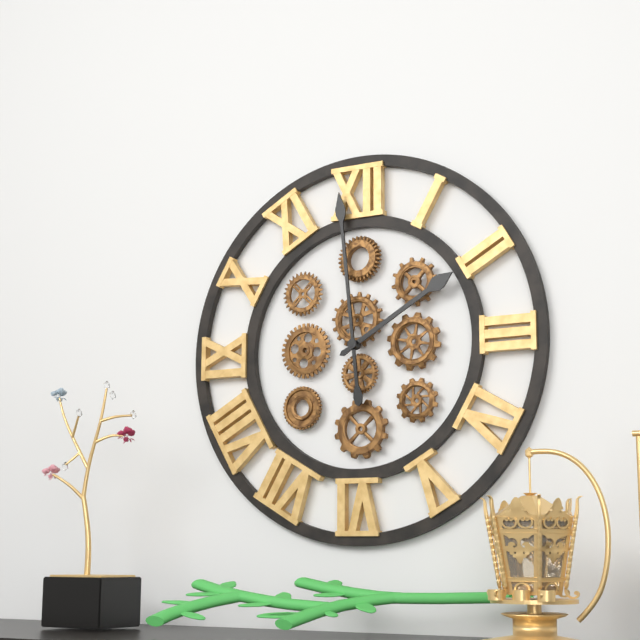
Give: 1:59
